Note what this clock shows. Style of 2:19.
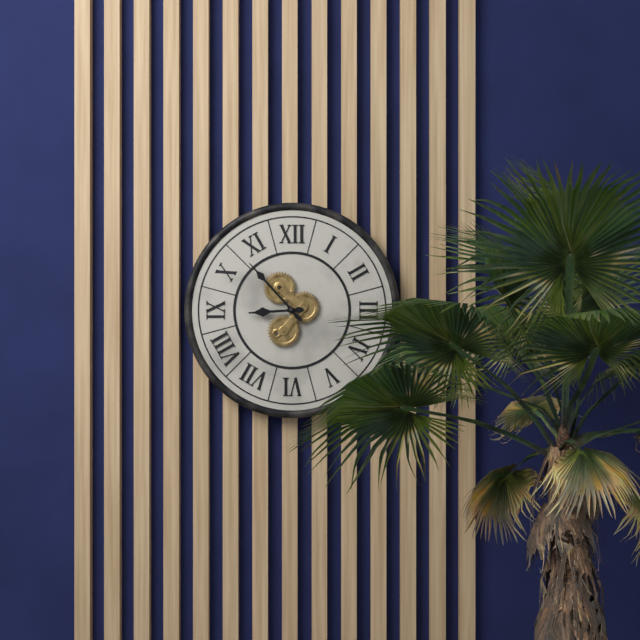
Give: 8:53
